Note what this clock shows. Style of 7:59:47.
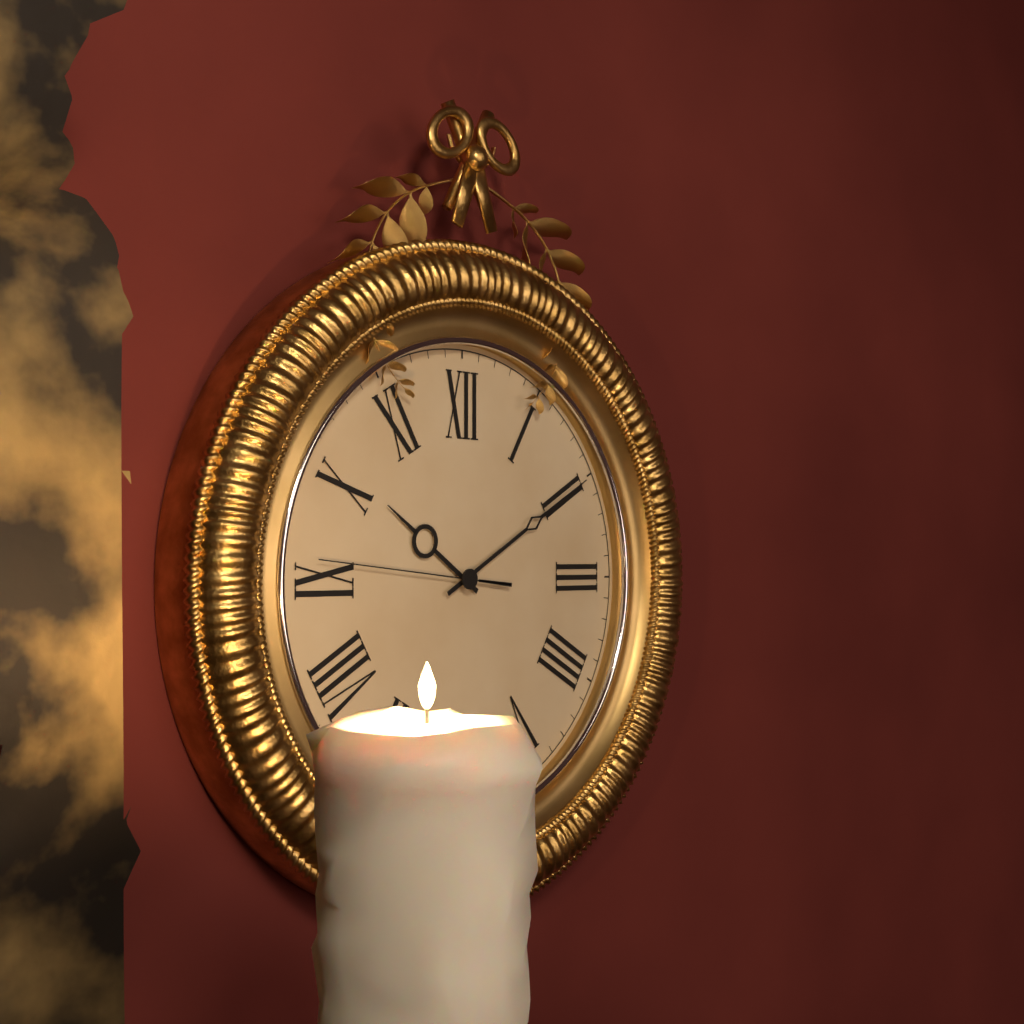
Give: 10:10:46
